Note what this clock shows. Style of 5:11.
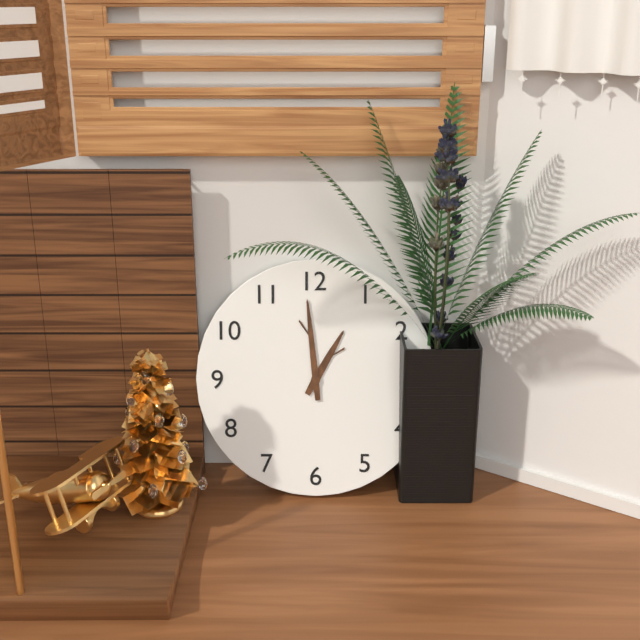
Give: 12:59
